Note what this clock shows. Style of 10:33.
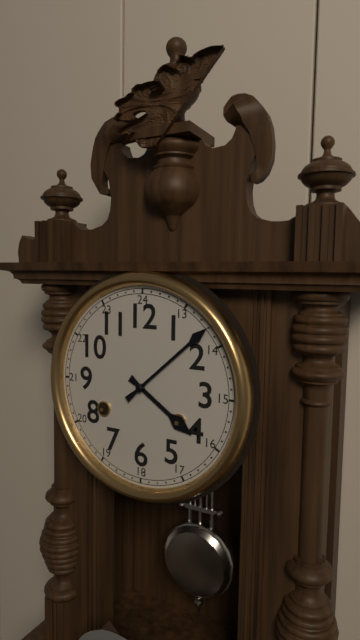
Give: 4:08
